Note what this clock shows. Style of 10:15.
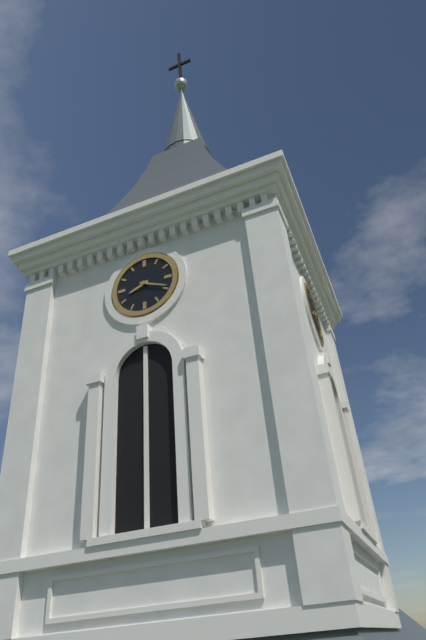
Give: 8:19
